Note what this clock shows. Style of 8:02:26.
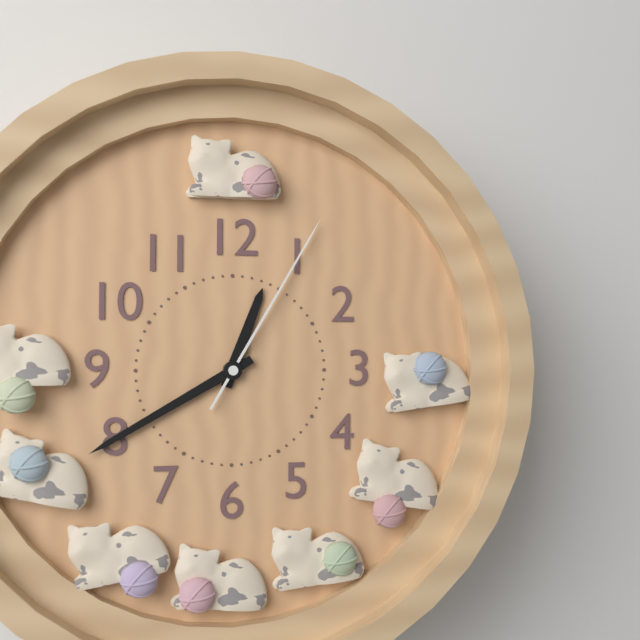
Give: 12:40:05
